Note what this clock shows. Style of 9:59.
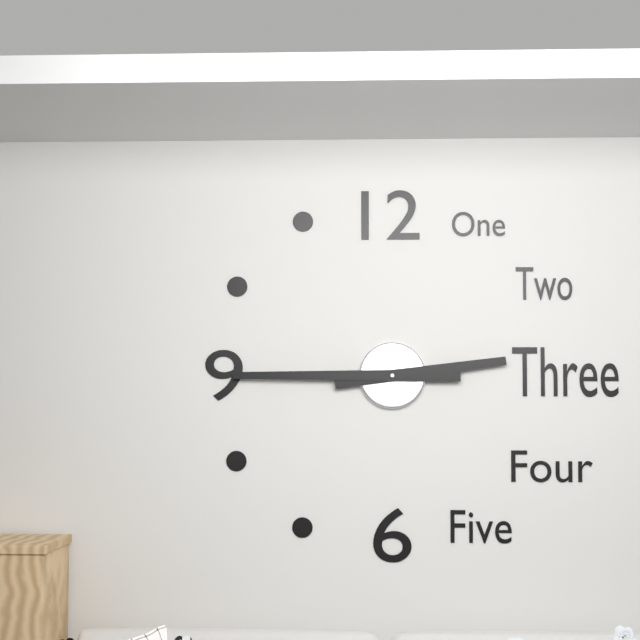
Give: 2:45
